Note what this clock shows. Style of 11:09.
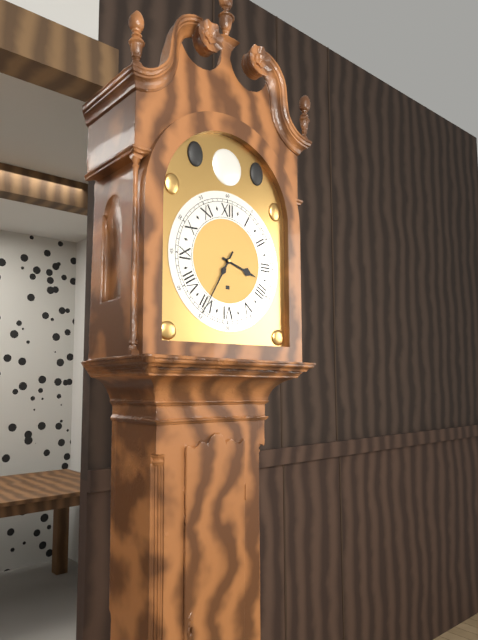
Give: 3:35
